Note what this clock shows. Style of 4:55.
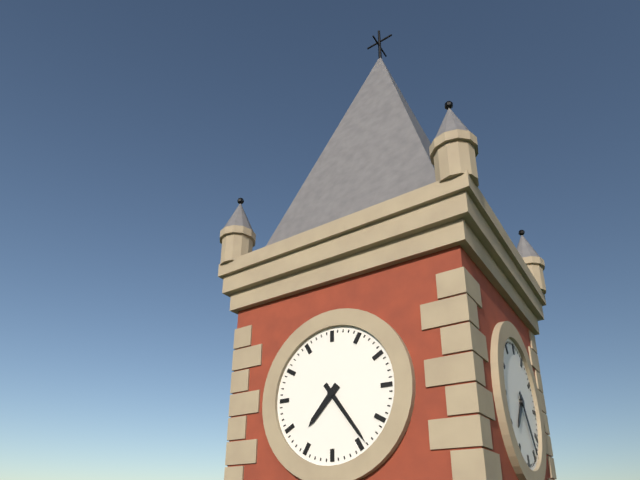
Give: 7:24
